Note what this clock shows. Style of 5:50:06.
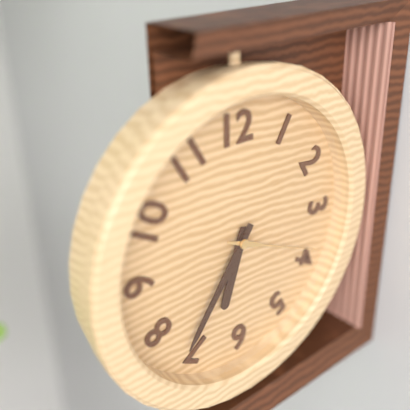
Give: 6:36:19
